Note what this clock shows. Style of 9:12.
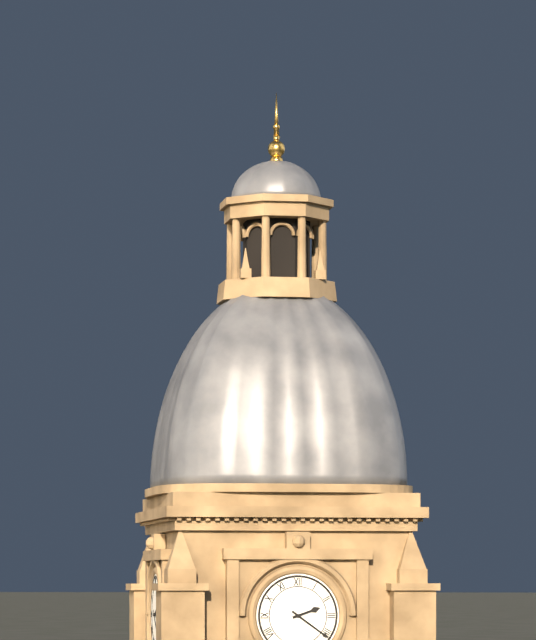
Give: 2:21
